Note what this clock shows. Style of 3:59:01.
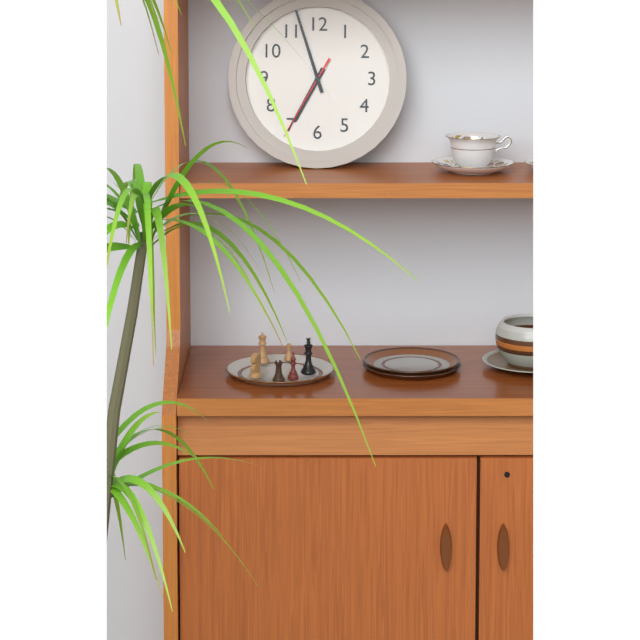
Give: 6:57:35
